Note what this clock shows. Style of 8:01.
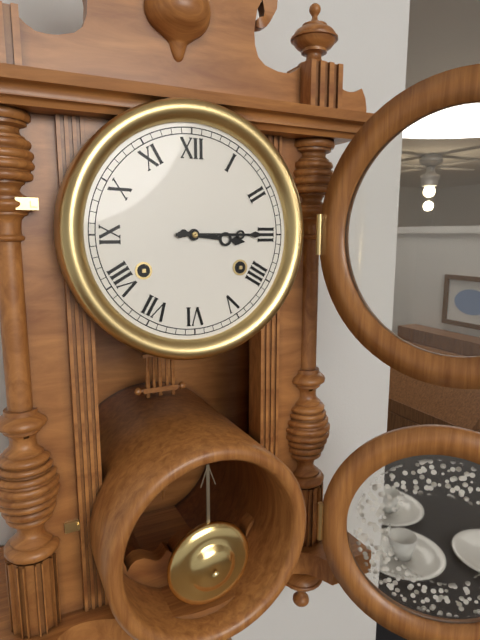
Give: 3:15
